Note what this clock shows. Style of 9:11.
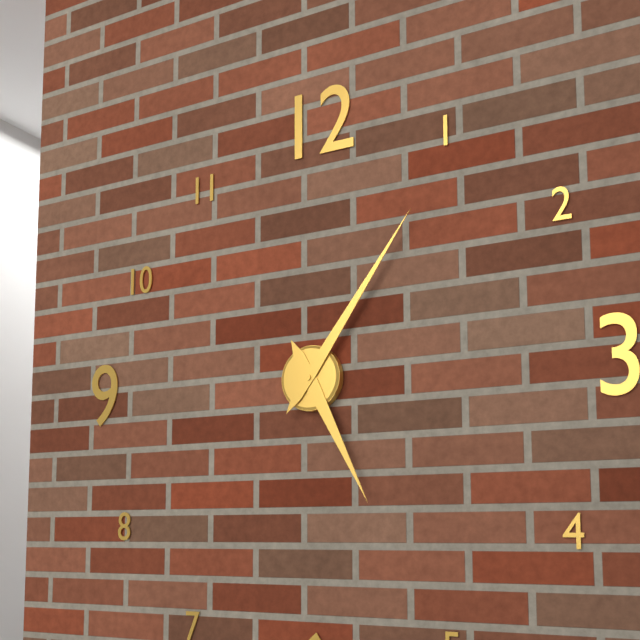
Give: 5:06
